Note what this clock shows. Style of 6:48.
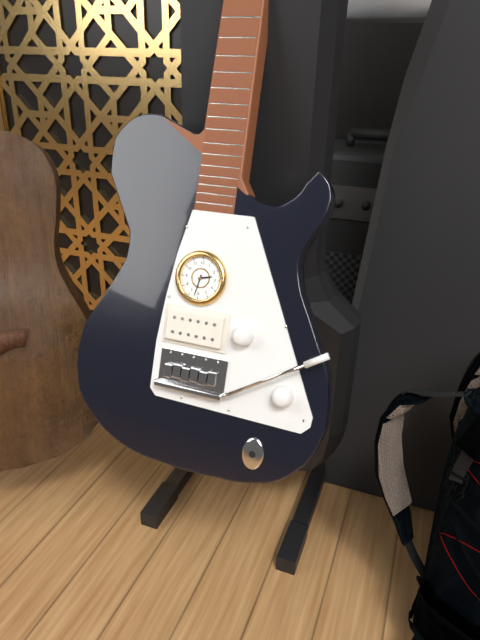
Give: 2:32
